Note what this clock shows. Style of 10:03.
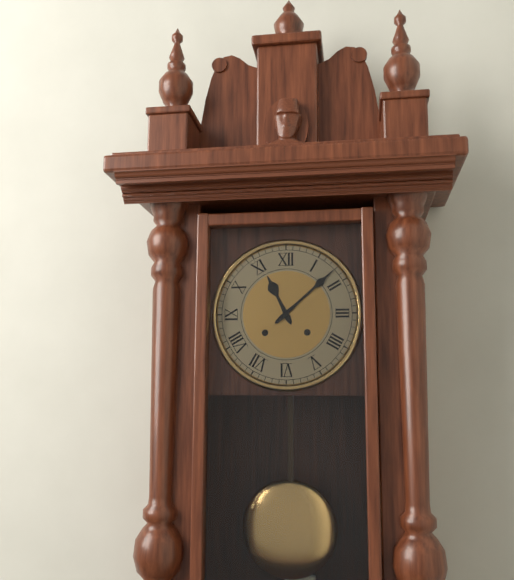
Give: 11:08
